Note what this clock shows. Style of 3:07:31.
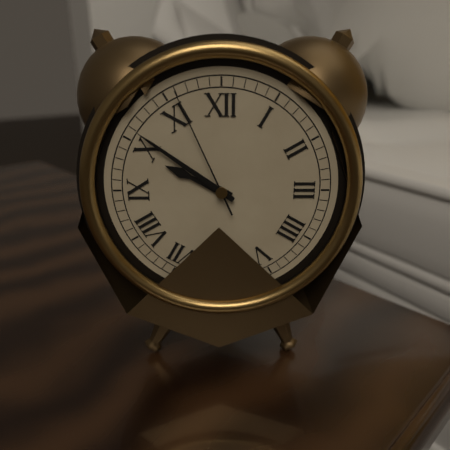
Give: 9:51:56
